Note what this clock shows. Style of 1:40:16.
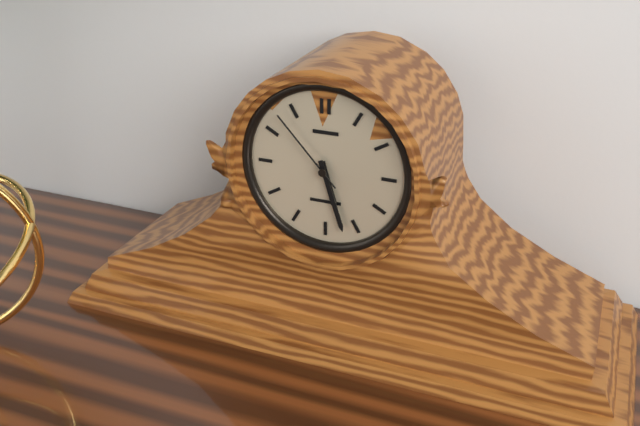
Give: 5:27:53
